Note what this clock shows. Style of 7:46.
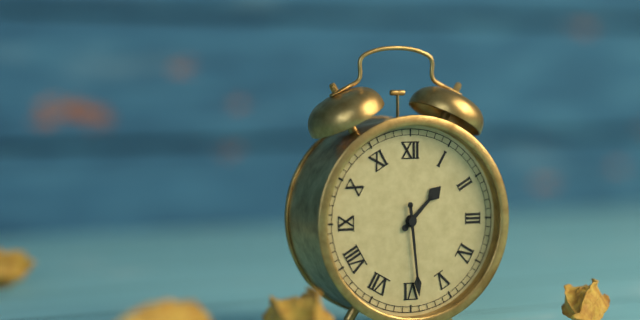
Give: 1:29
